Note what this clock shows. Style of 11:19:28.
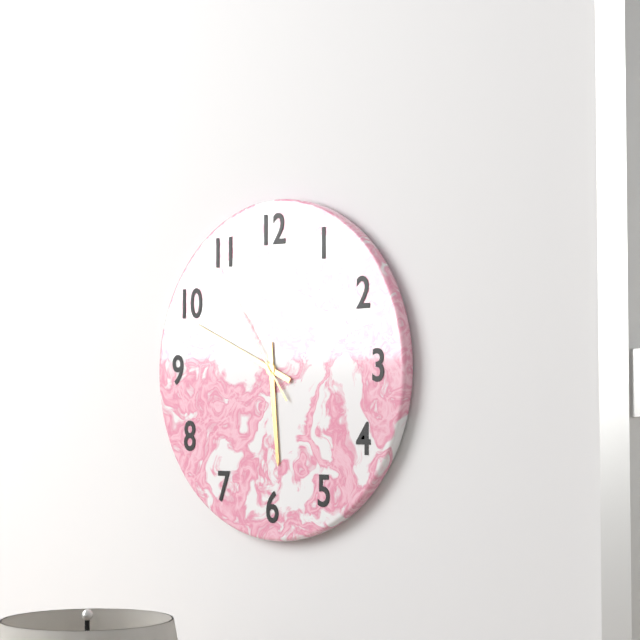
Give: 5:49:54
